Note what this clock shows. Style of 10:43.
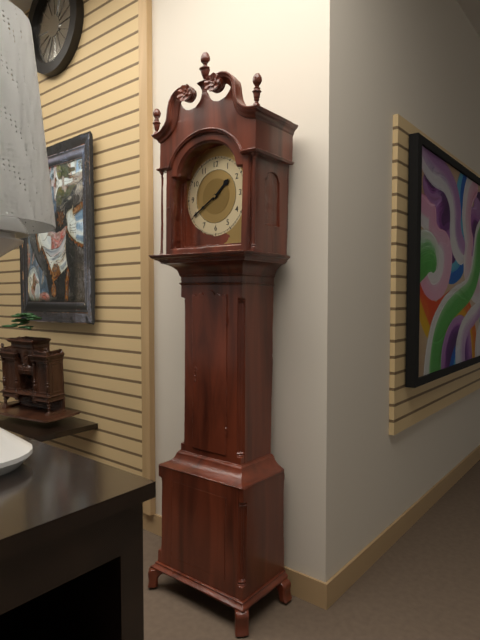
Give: 1:40
